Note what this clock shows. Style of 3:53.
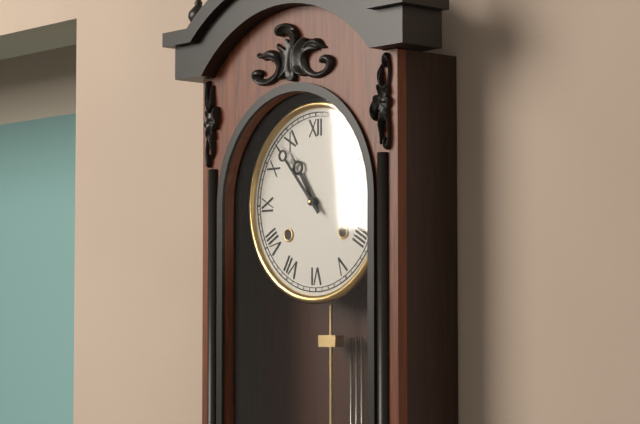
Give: 10:53
